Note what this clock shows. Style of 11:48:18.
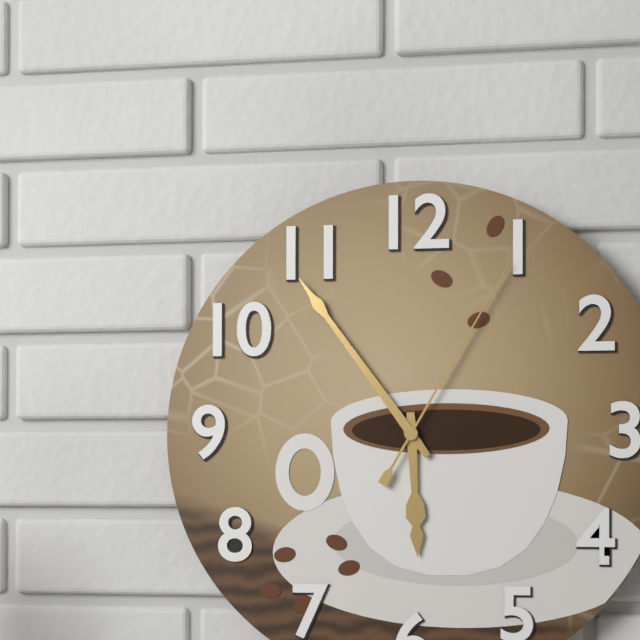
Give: 5:54:05
